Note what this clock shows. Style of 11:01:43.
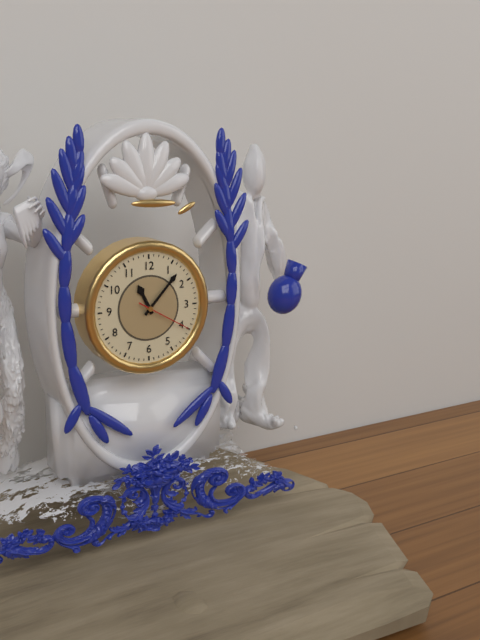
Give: 11:07:20
